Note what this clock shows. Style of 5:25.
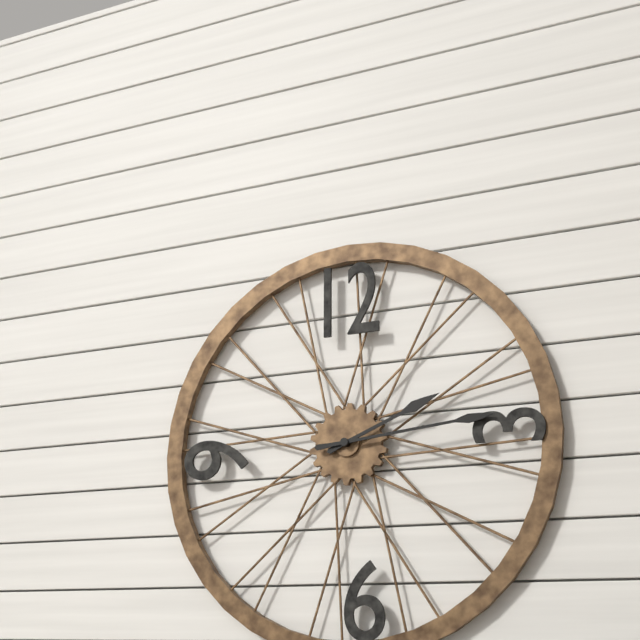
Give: 2:14
